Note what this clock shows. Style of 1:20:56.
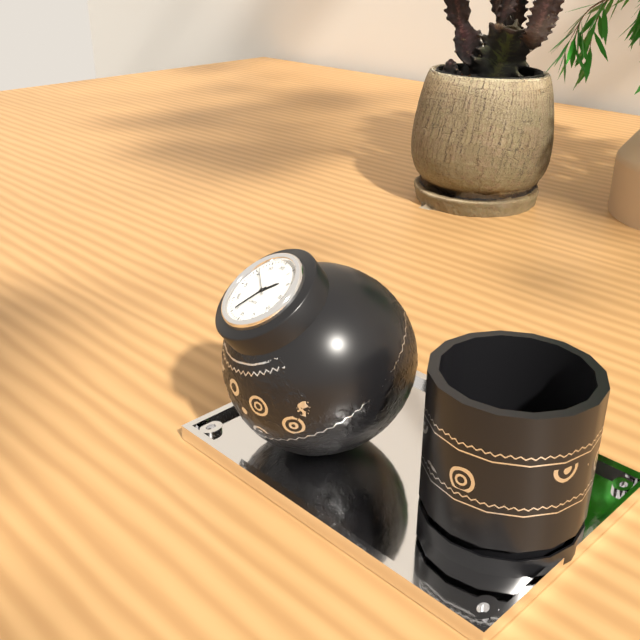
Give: 1:35:51
